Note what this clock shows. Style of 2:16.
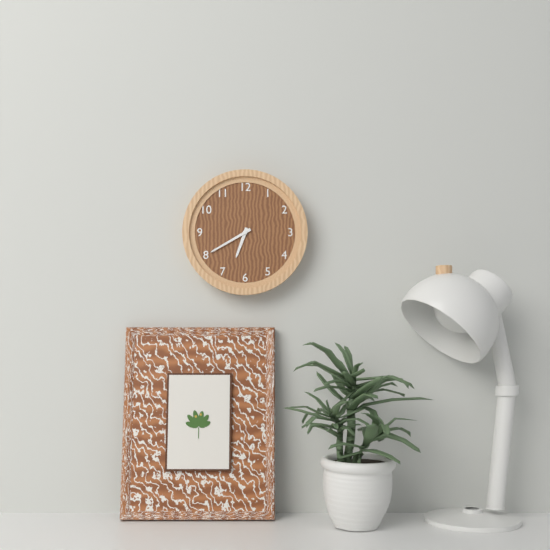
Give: 6:40
